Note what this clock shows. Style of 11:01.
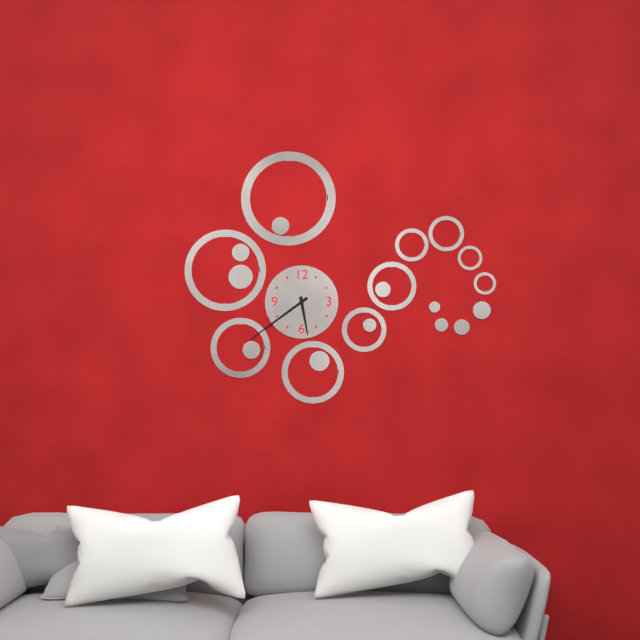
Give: 5:39
